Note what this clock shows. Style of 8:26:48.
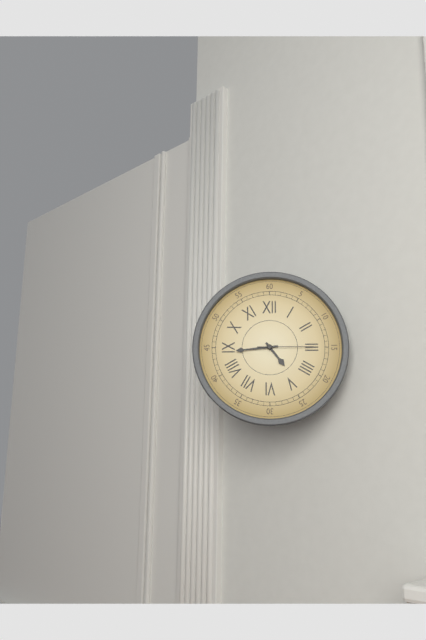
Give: 4:44:15
